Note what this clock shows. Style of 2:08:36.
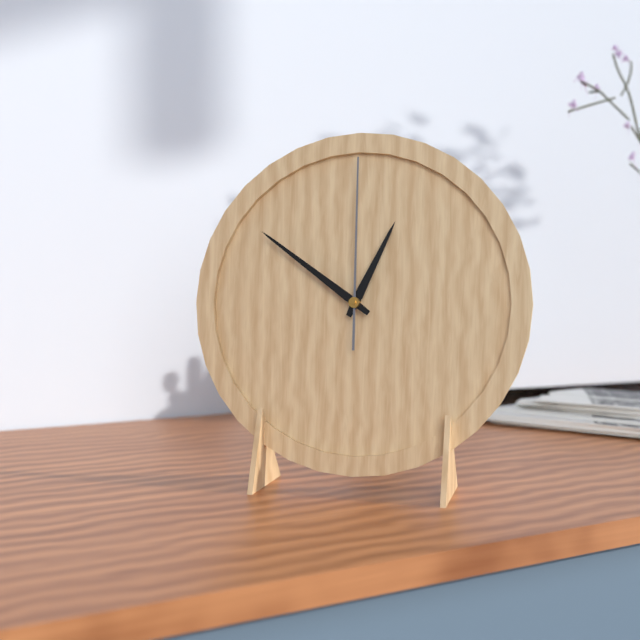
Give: 12:51:00
